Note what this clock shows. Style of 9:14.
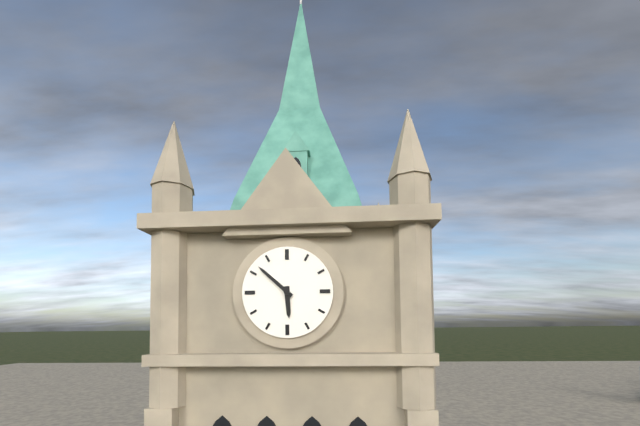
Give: 5:52
